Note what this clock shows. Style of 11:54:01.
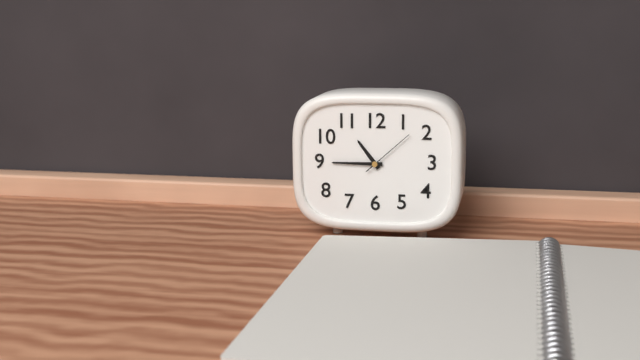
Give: 10:45:08
